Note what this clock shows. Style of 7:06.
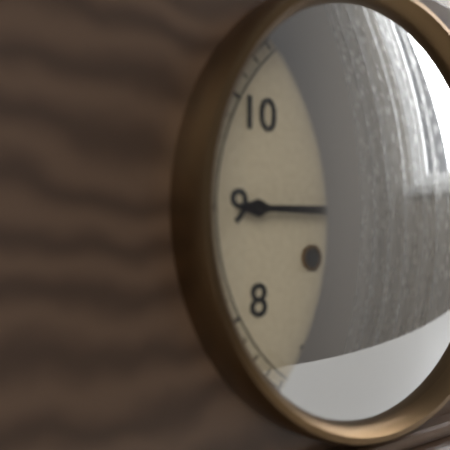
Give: 5:45
